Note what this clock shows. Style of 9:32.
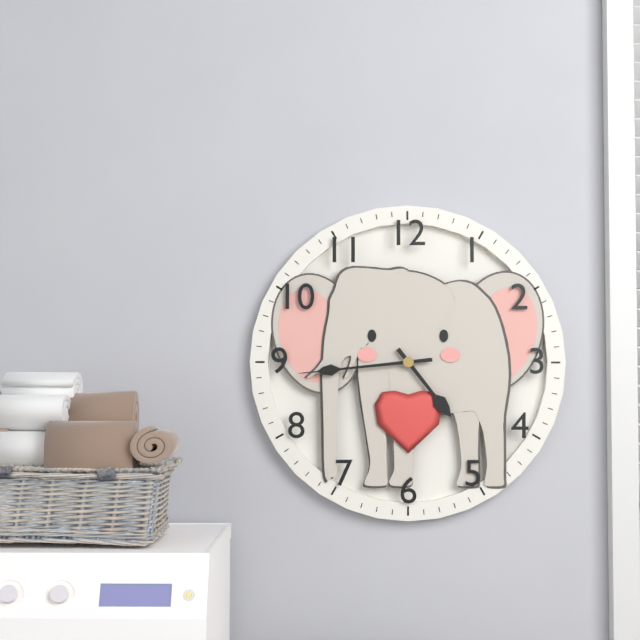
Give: 4:44
